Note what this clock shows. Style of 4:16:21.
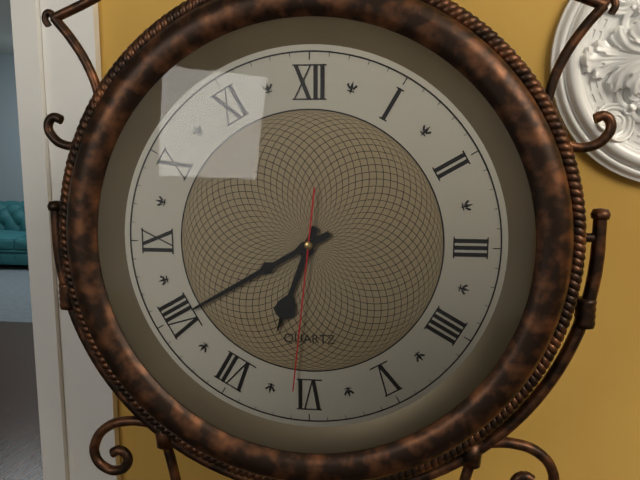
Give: 6:40:31
